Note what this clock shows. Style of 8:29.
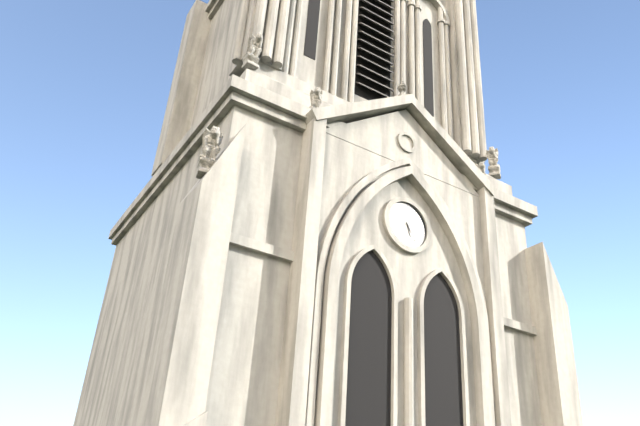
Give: 5:25
